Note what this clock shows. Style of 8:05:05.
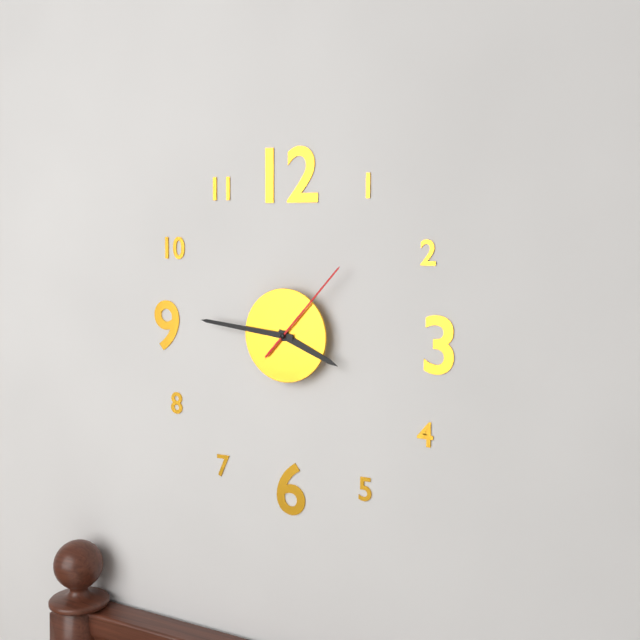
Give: 3:46:07
